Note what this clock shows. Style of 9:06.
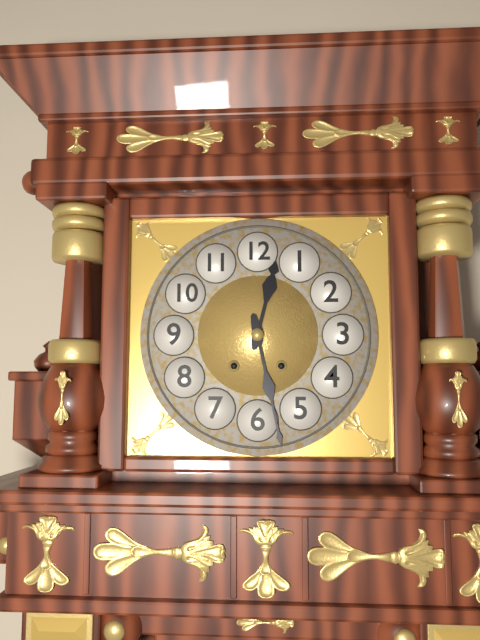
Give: 12:28
